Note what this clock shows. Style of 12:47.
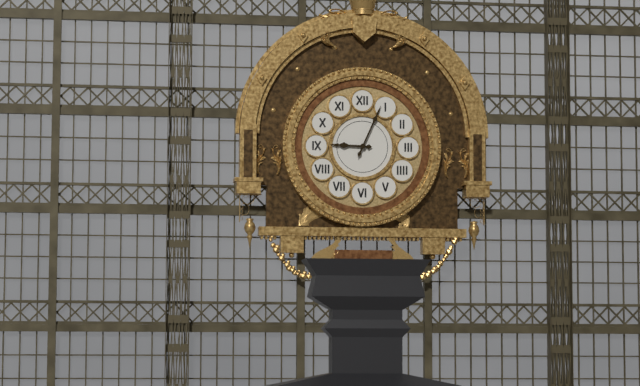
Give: 9:04
